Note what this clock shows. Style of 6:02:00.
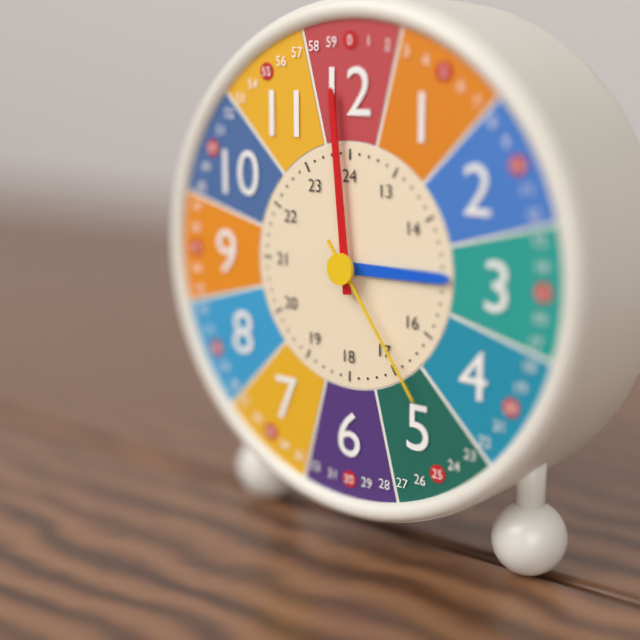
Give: 2:59:24
